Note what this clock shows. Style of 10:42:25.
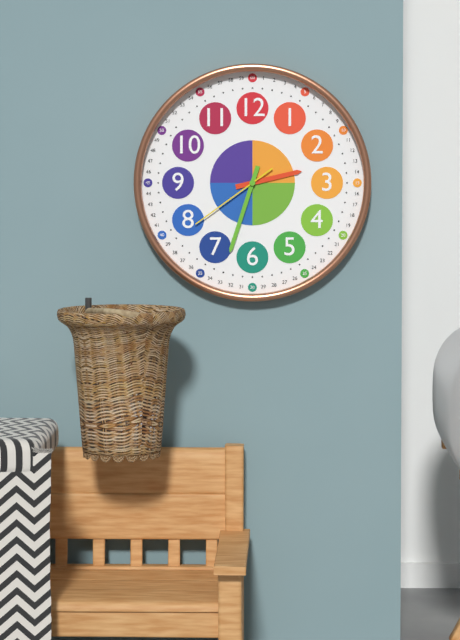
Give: 2:33:39
